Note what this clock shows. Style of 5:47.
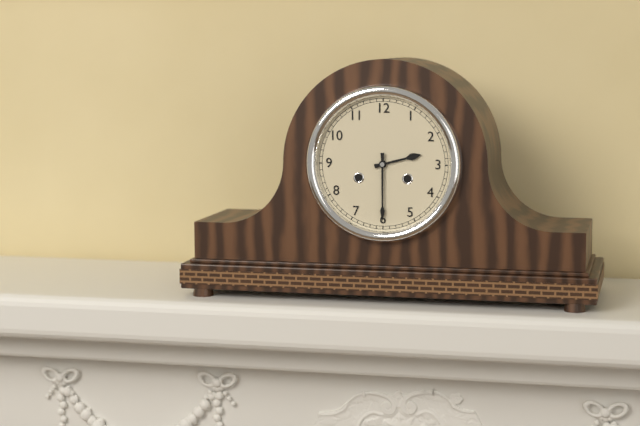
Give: 2:30
